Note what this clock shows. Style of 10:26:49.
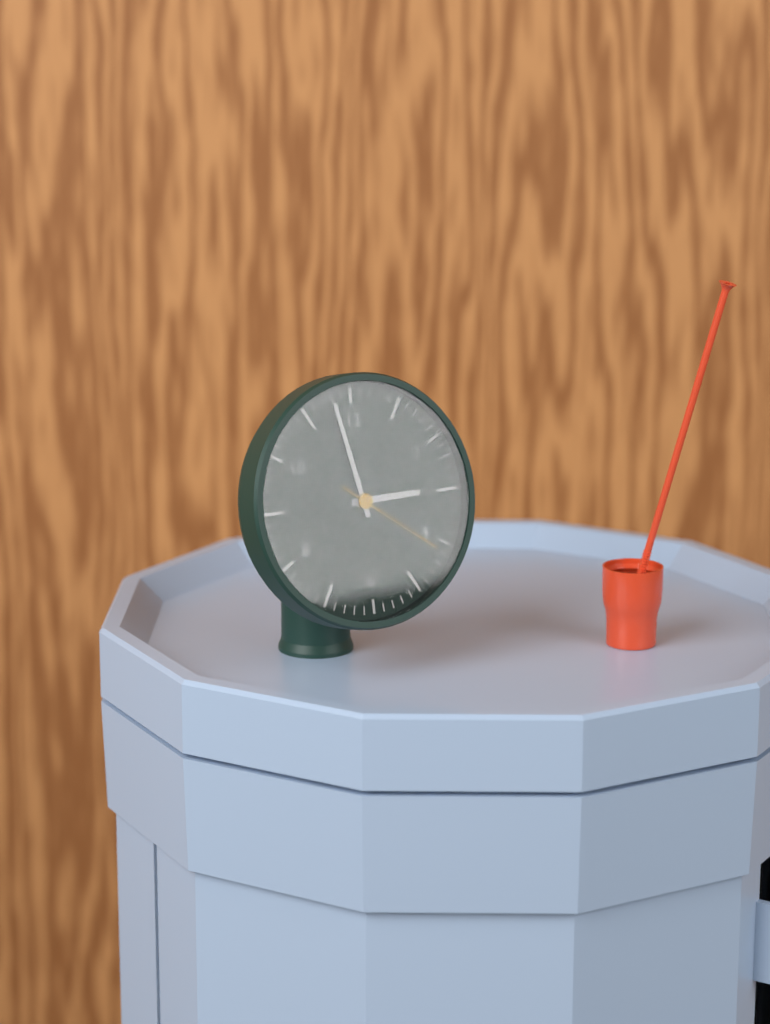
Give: 2:58:21
